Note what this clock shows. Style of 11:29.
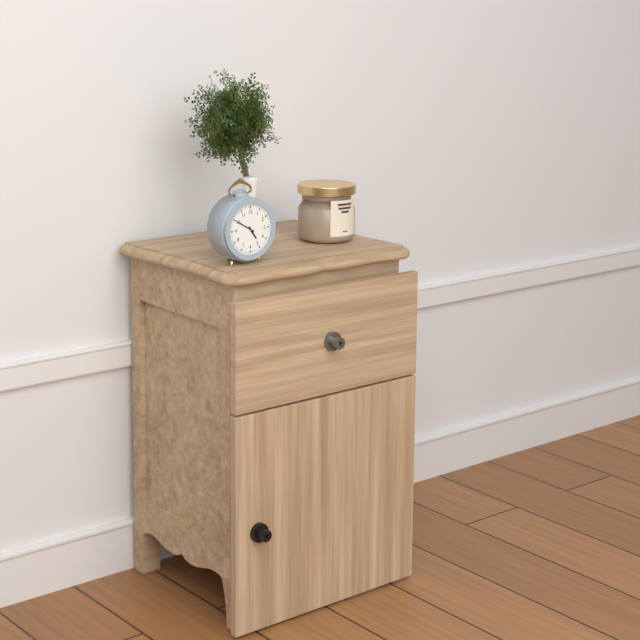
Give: 4:50
